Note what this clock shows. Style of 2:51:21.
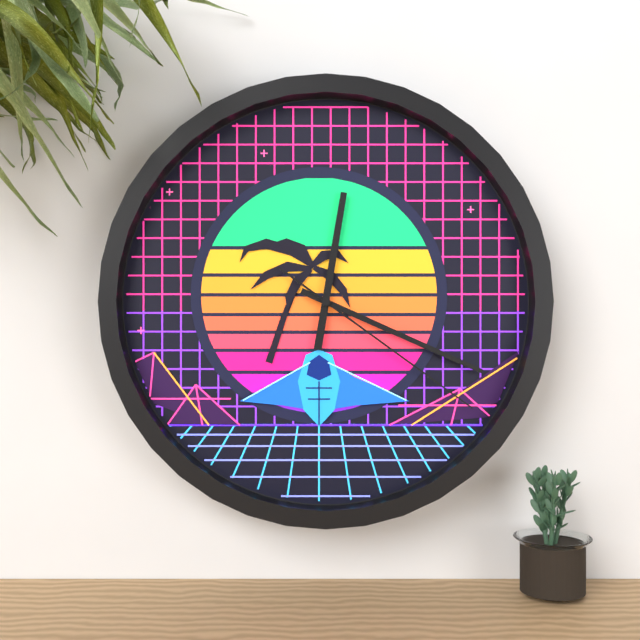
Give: 12:19:21
